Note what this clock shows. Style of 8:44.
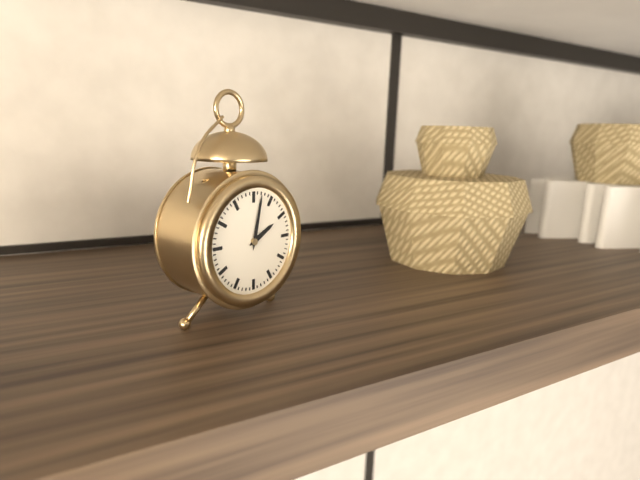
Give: 2:02
